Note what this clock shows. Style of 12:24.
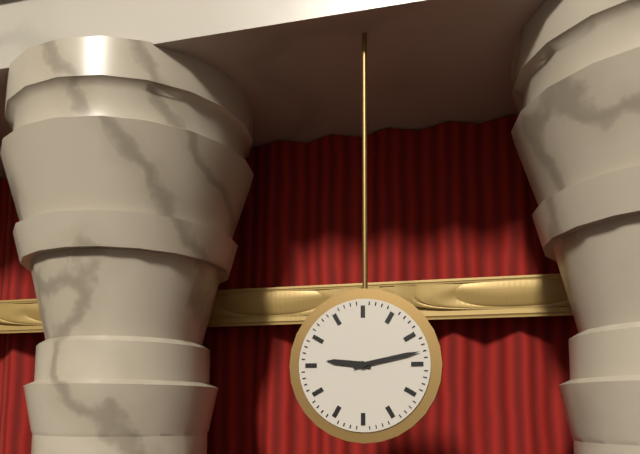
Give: 9:13
